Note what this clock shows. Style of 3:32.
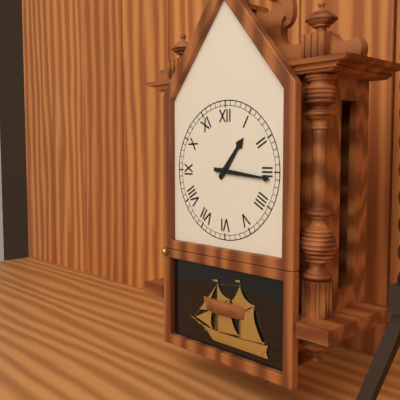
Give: 1:16
